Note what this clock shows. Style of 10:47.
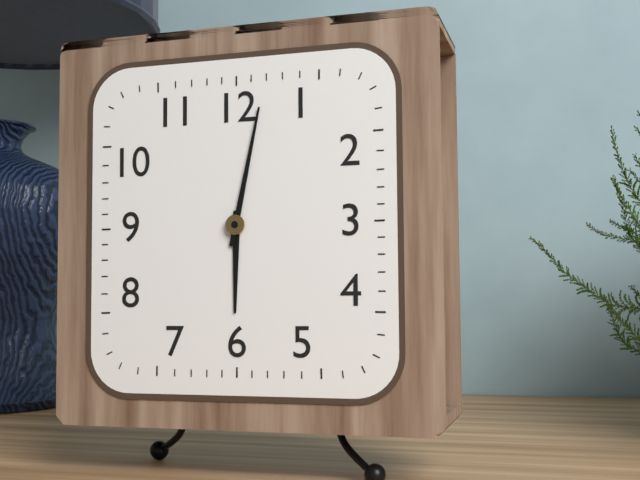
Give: 6:02
